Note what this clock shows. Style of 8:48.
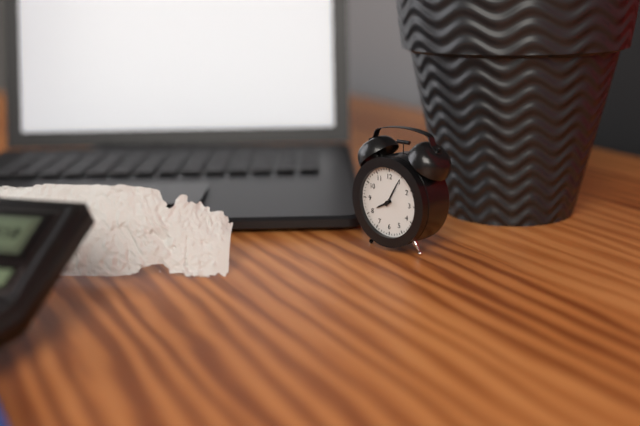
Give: 8:05
